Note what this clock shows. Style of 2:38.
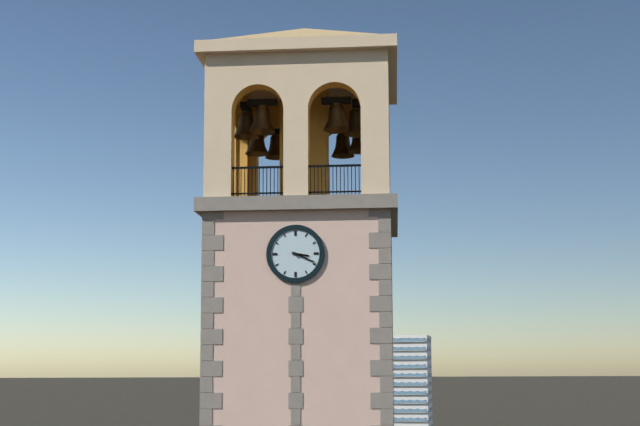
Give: 3:19
